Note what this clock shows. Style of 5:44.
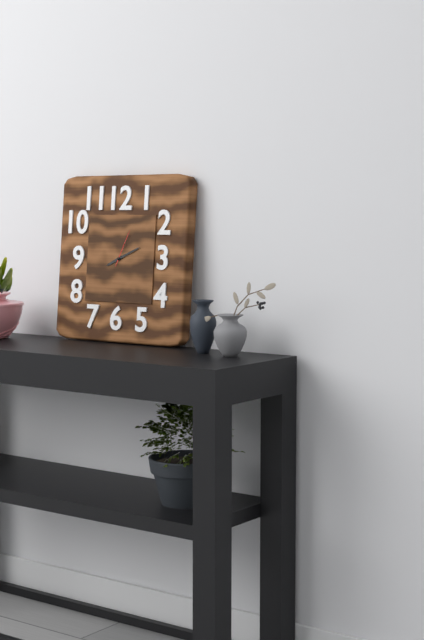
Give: 8:11
